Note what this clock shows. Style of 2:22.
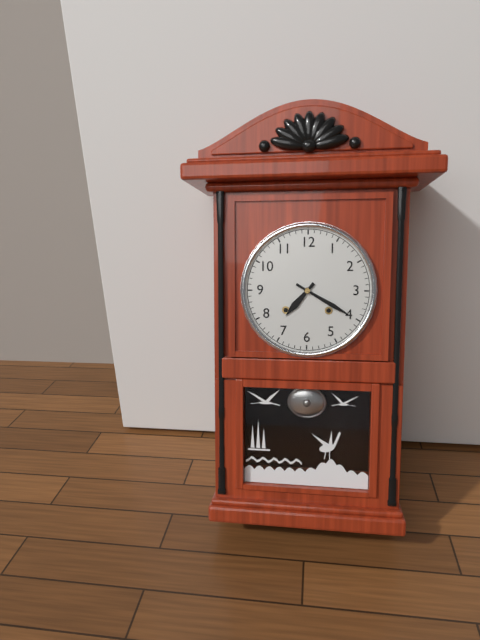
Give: 7:20
